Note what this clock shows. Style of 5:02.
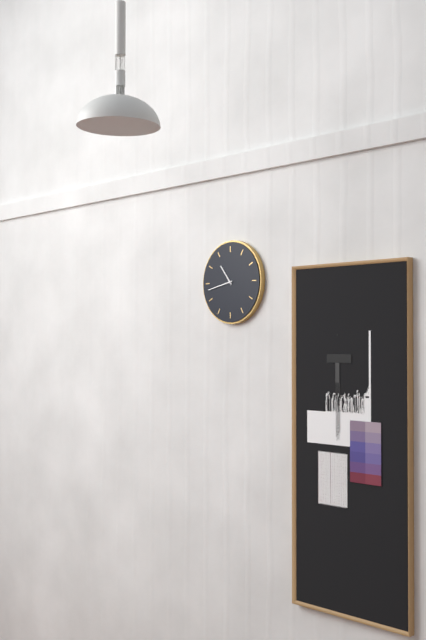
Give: 10:43
